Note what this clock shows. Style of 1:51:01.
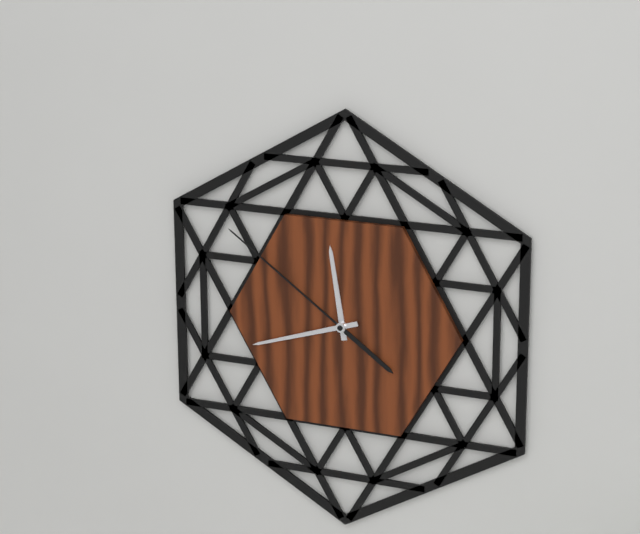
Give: 11:42:51
